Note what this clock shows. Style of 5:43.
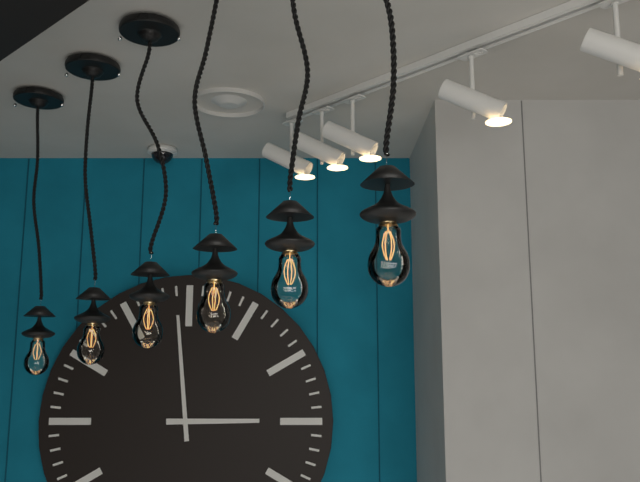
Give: 2:59
